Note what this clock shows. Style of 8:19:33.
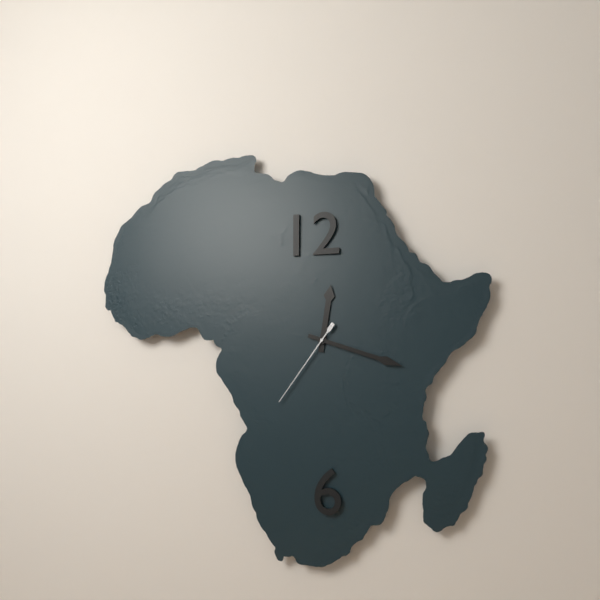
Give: 12:18:36
